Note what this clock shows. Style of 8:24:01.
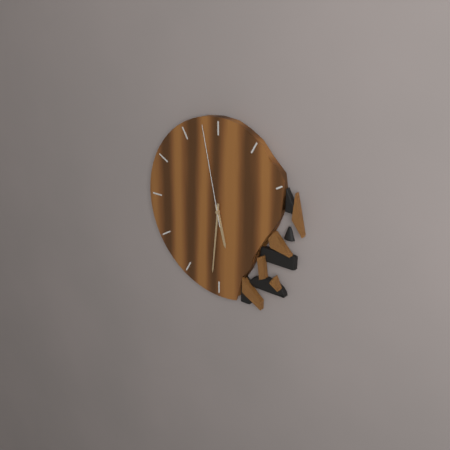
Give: 5:31:58
